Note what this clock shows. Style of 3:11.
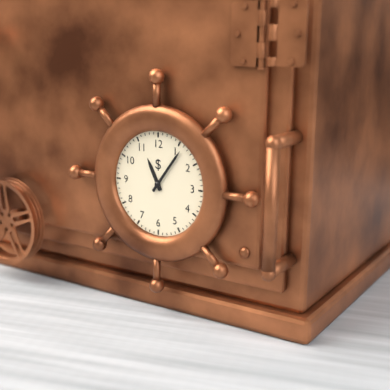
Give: 11:06
